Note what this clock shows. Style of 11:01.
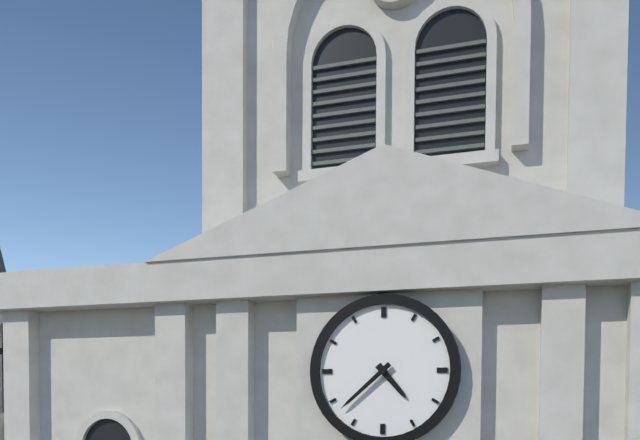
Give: 4:38
